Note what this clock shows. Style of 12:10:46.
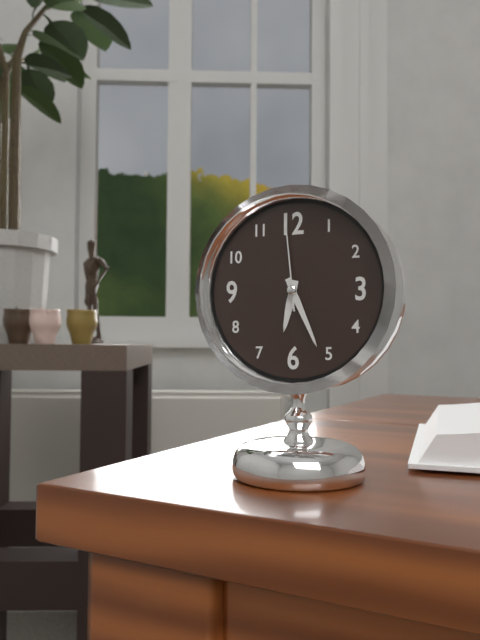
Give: 6:26:59
